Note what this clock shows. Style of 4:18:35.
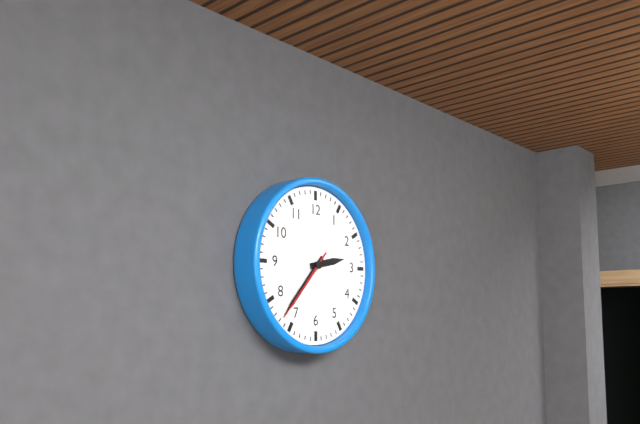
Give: 2:37:37
